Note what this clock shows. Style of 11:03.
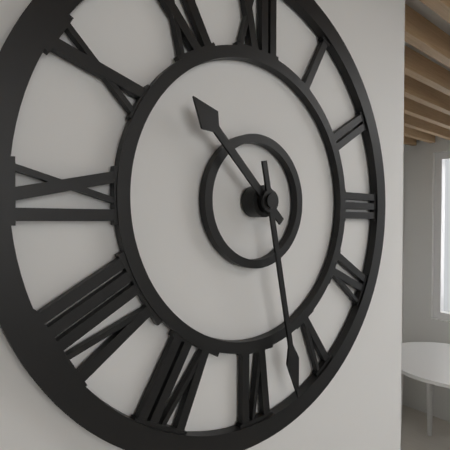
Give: 10:28
